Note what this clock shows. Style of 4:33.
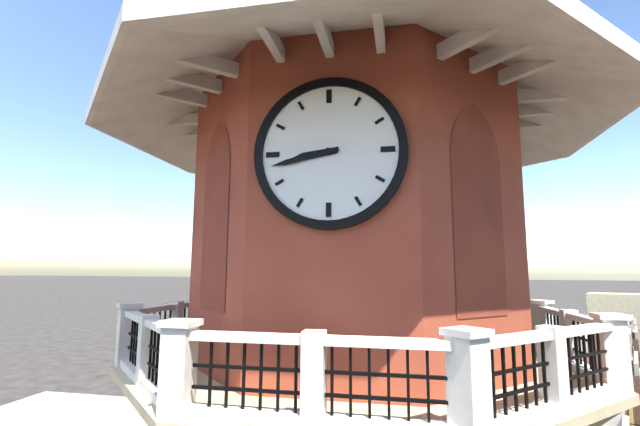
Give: 8:43
